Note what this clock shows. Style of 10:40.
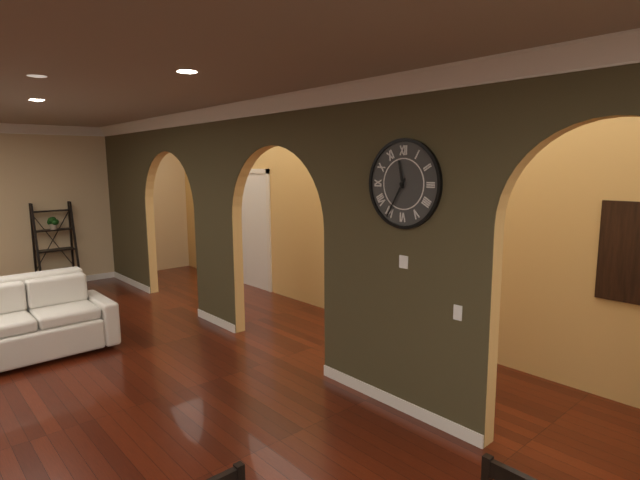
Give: 11:35
